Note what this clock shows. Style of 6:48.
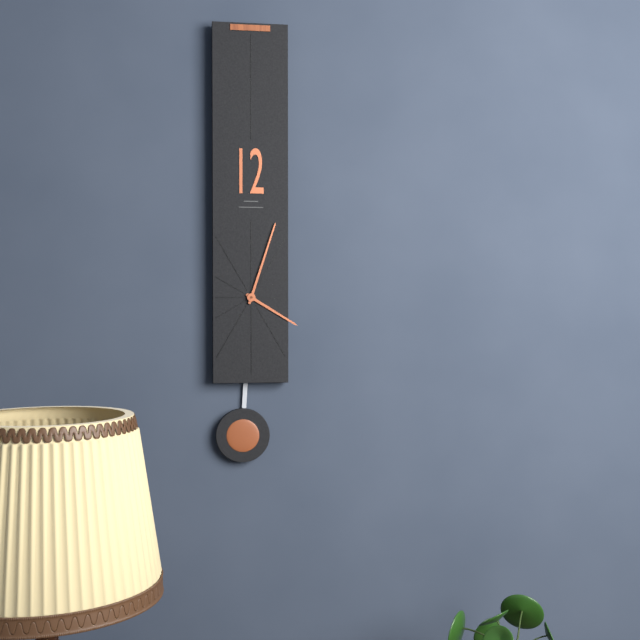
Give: 4:03
